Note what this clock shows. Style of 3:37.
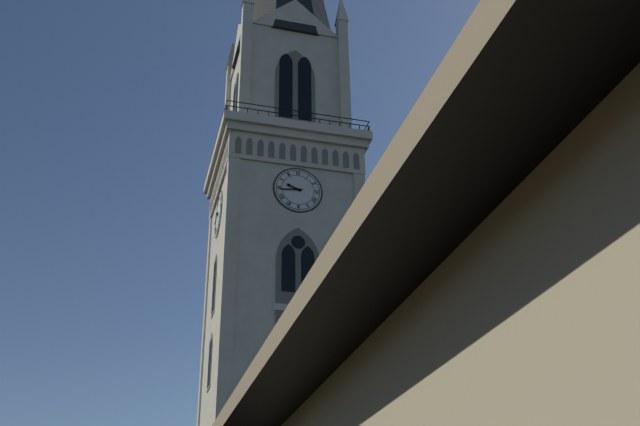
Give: 9:44
